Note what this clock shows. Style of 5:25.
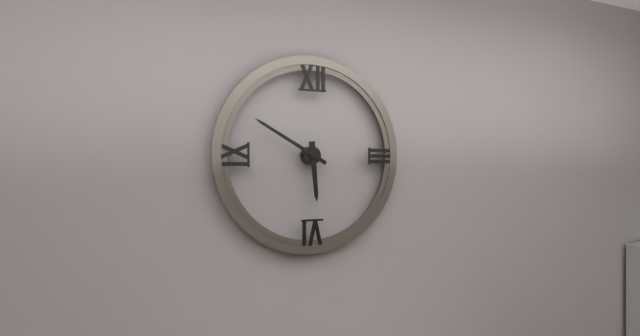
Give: 5:50
